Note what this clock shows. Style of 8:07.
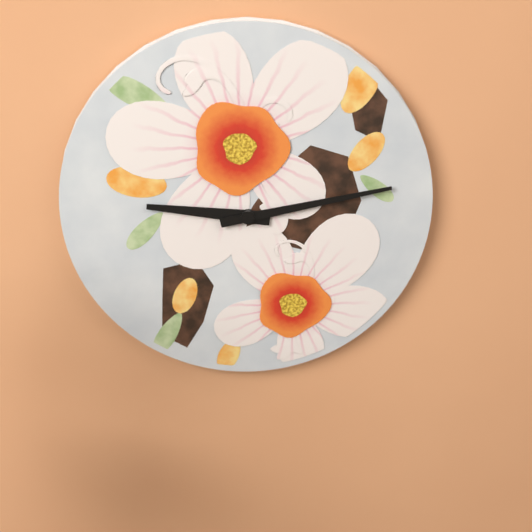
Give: 9:13
